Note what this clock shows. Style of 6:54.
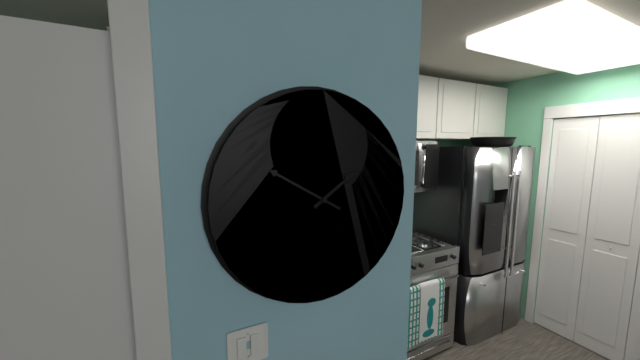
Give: 1:50
